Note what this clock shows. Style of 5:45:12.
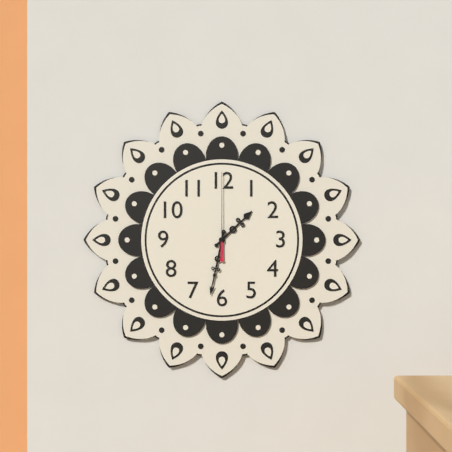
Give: 1:32:00
